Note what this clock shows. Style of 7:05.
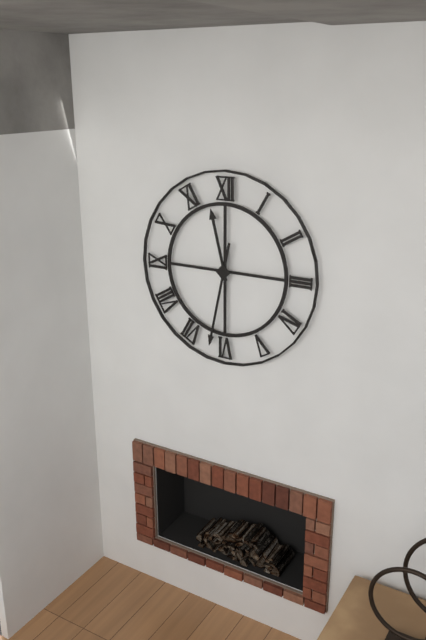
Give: 11:32
